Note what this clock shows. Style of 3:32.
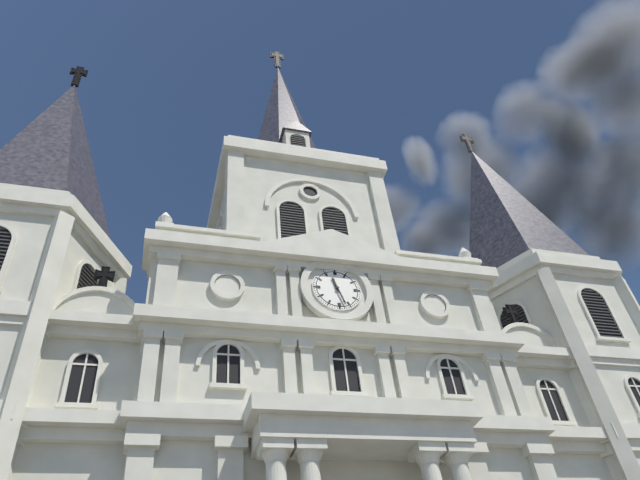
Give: 11:27
